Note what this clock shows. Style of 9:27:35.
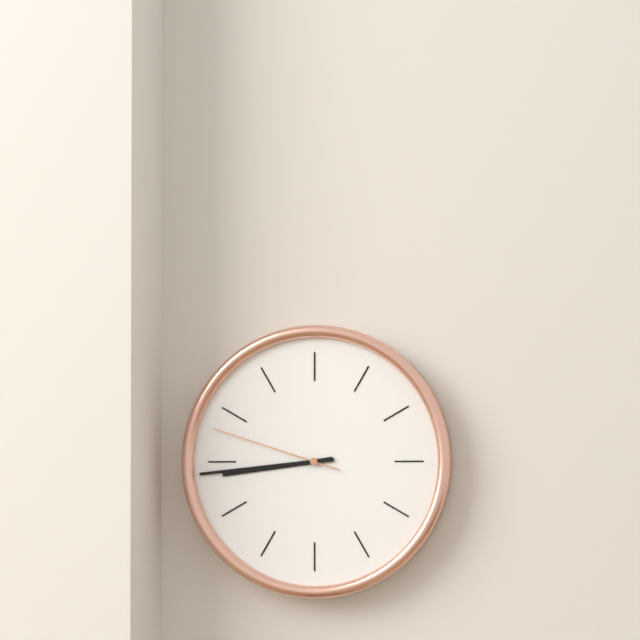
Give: 8:44:48
